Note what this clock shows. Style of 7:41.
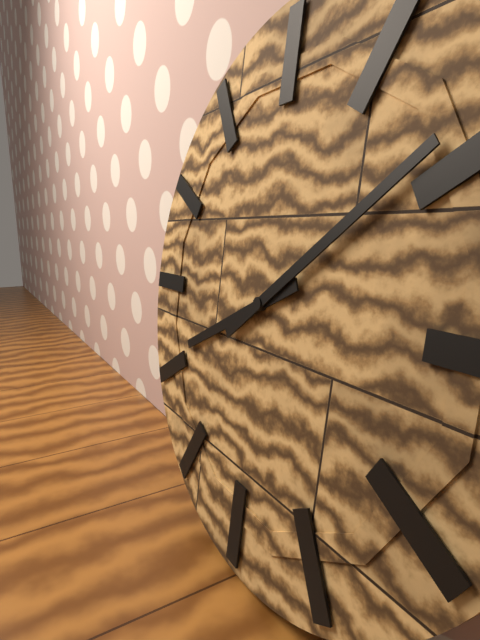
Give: 8:09
